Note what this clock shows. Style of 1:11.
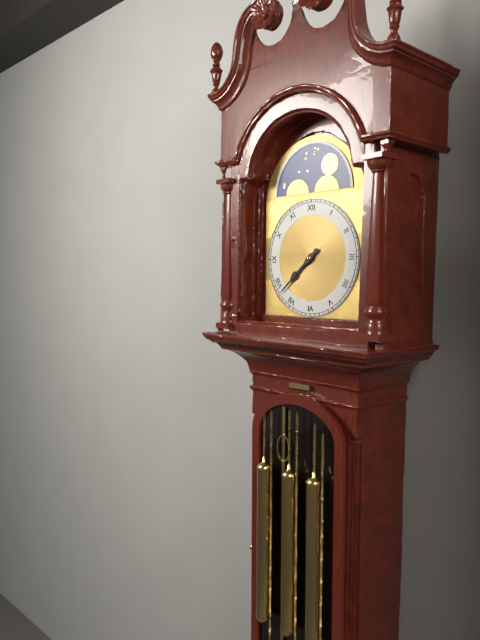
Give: 7:38
